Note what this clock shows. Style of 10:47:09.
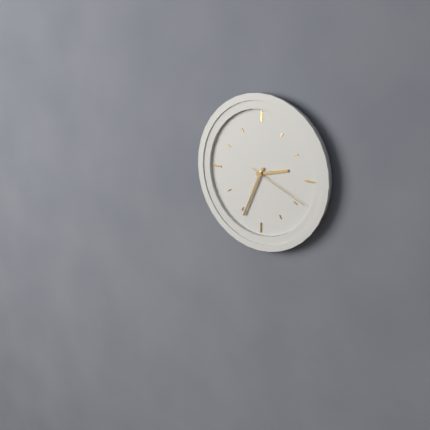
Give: 2:34:19
